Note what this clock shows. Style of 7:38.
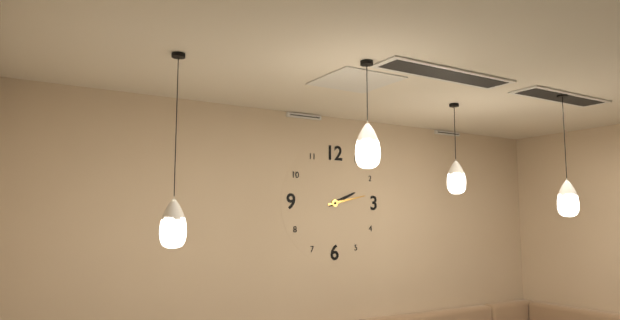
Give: 2:13
